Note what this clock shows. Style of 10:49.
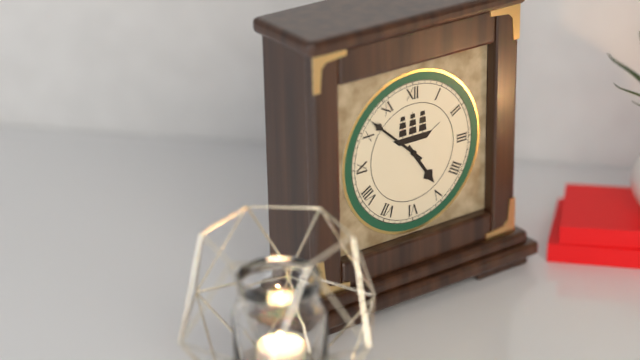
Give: 4:52
